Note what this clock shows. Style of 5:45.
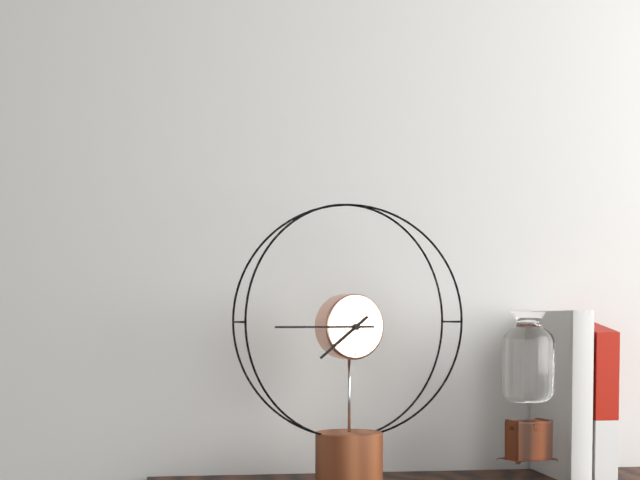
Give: 7:45
